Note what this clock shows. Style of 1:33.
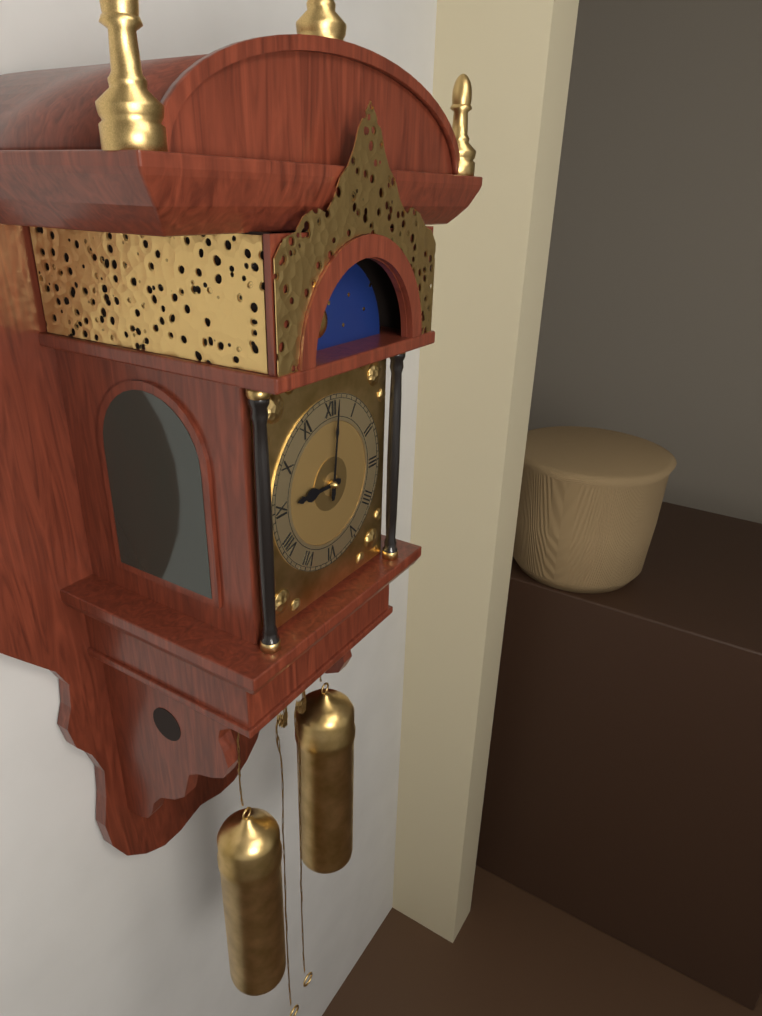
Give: 9:01
